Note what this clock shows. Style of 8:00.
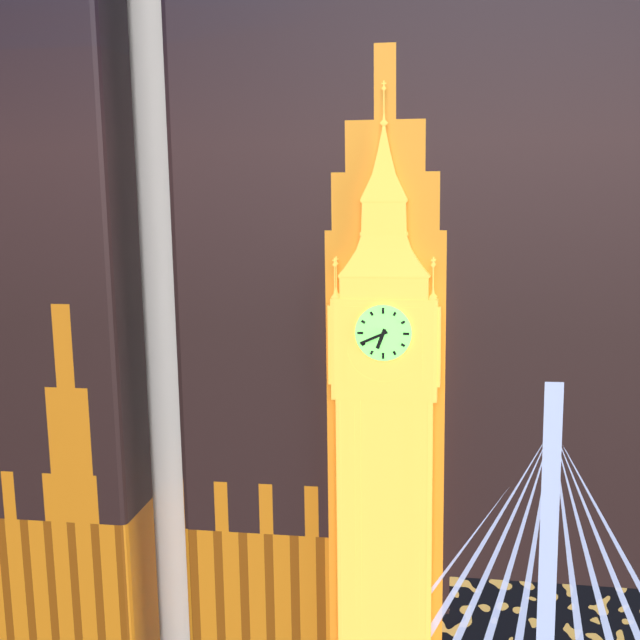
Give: 6:41
